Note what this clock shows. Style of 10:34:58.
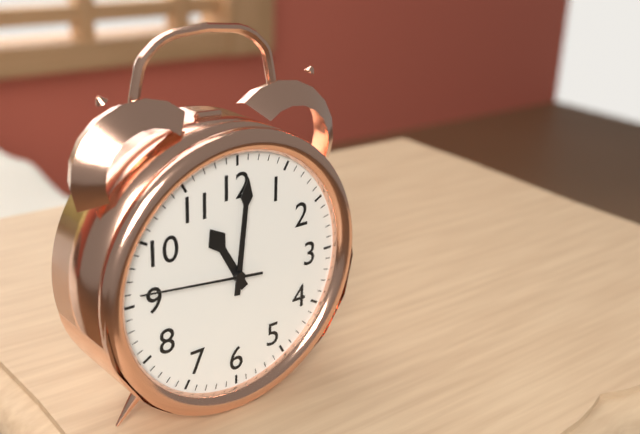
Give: 11:01:46
